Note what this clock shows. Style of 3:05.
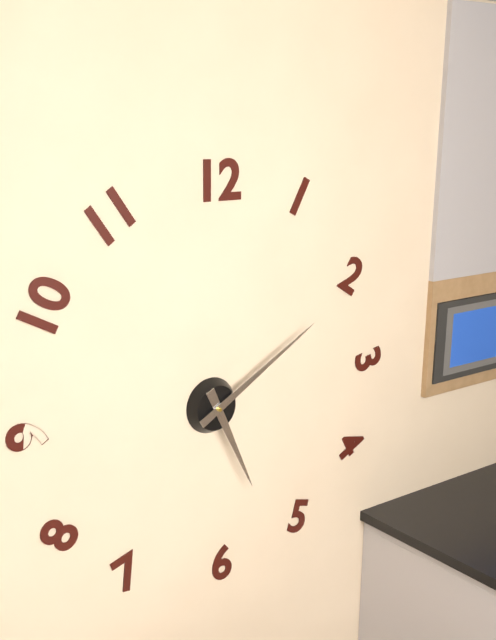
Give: 5:10
